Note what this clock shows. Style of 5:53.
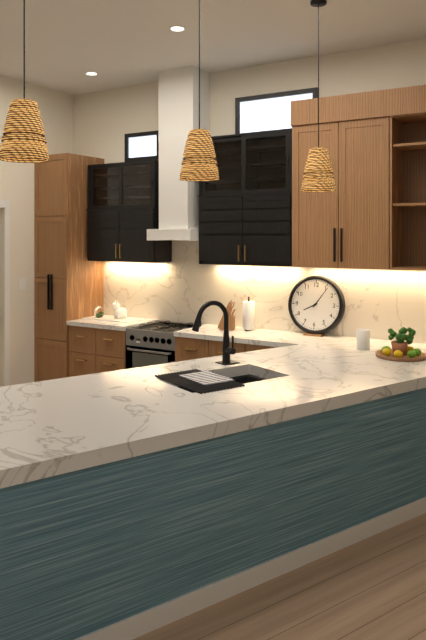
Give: 8:06
